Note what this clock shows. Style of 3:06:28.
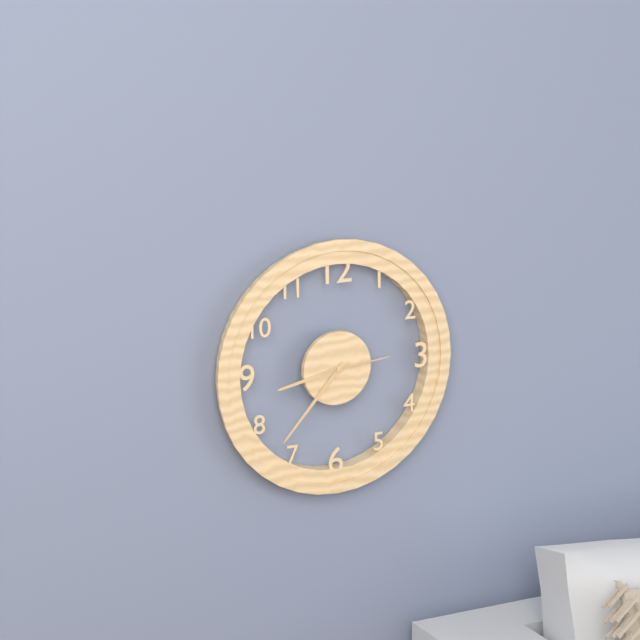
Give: 8:37:14
